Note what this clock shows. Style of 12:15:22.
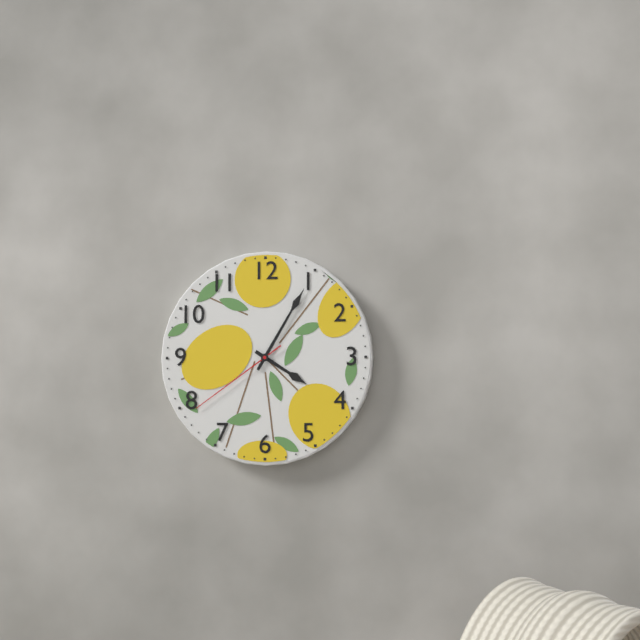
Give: 4:05:39
